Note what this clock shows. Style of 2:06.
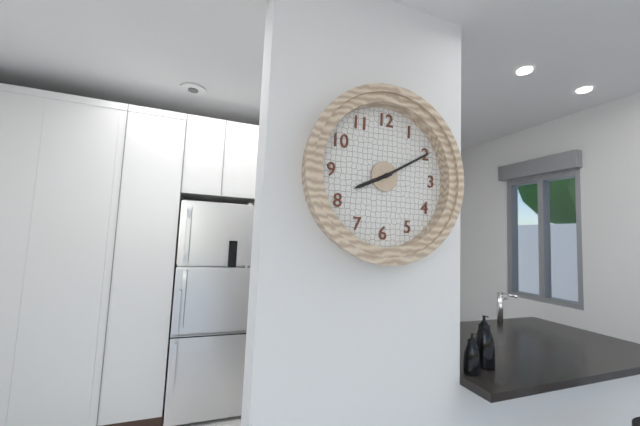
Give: 8:10
